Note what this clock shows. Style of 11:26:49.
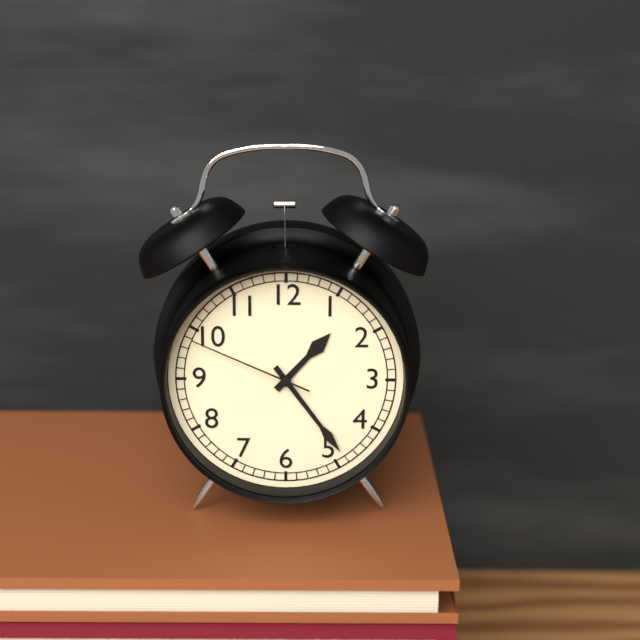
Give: 1:24:49
